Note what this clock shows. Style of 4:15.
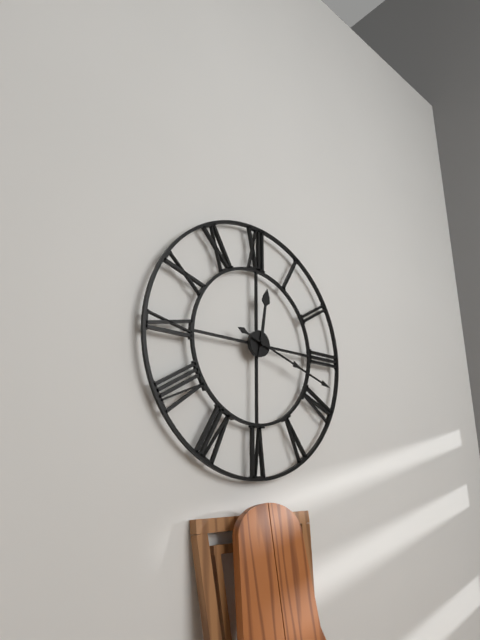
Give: 12:18
